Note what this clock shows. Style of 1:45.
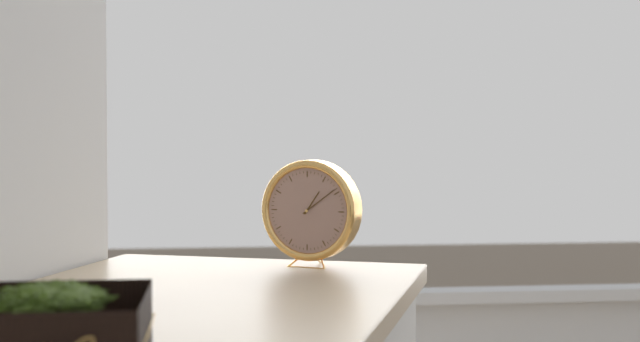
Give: 1:09
